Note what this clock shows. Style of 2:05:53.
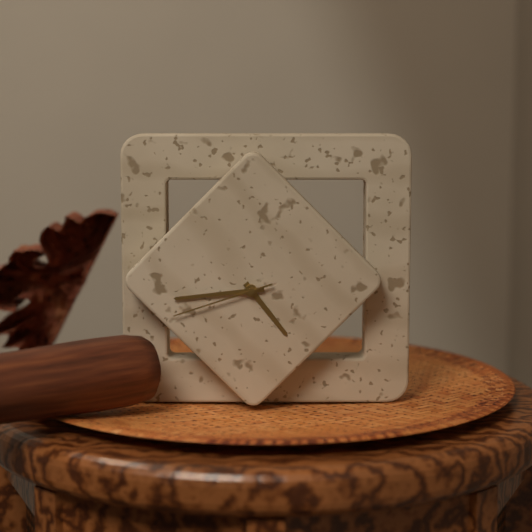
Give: 4:44:42
